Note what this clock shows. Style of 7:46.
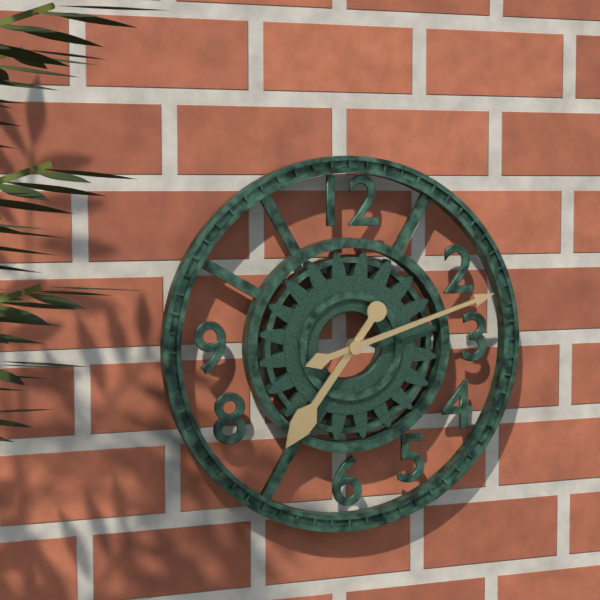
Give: 7:12
